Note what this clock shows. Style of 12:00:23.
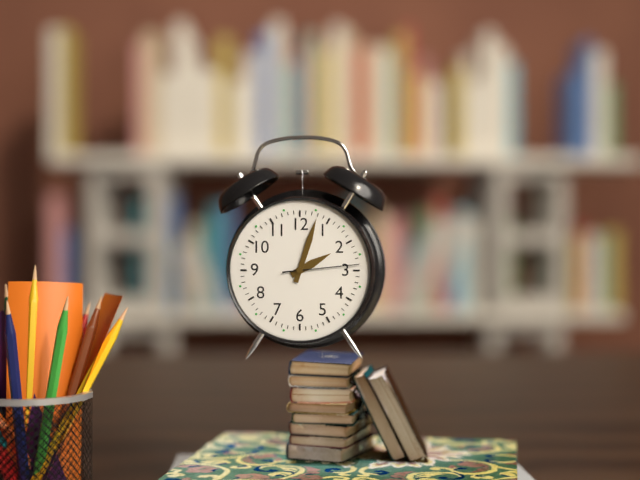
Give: 2:03:14
